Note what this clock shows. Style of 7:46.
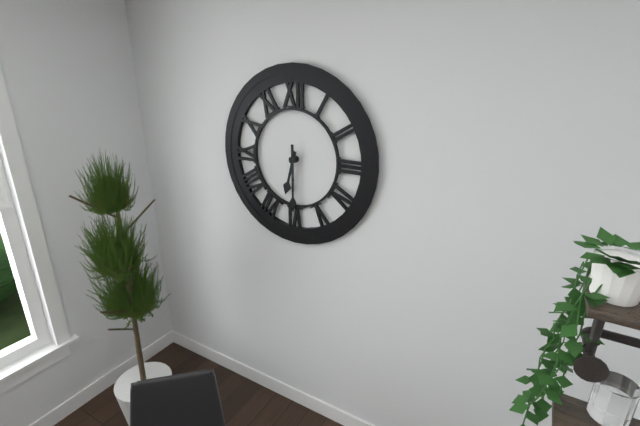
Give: 6:30
